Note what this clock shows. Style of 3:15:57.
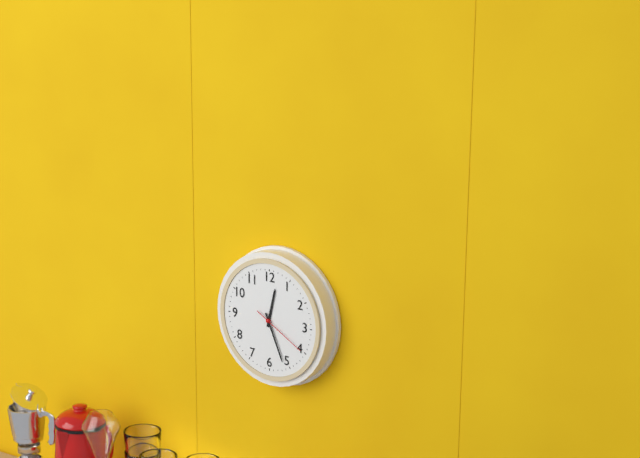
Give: 12:26:20
